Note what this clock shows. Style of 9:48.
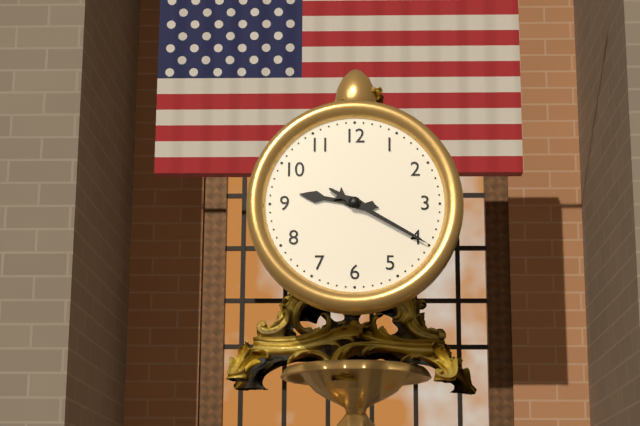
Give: 9:20
